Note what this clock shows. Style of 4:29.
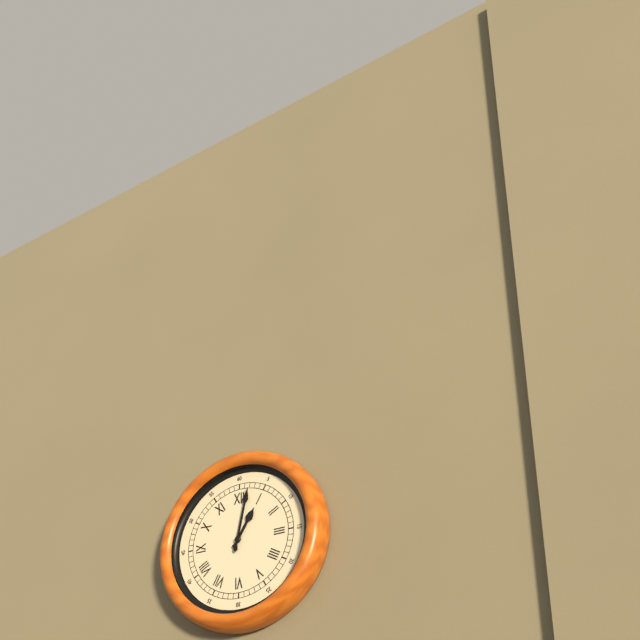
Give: 1:02
